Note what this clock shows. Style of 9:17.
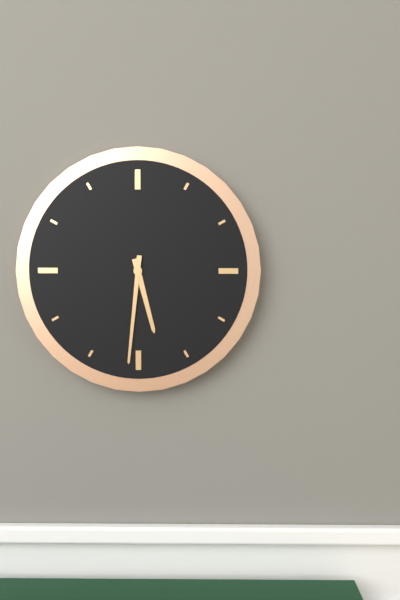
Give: 5:31
